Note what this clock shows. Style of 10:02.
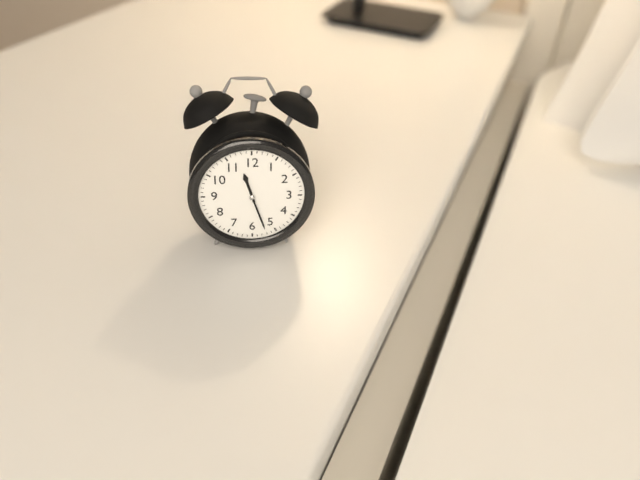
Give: 11:27
